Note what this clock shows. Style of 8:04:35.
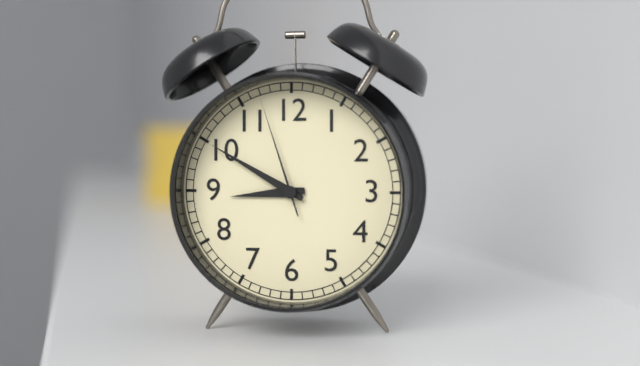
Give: 8:50:57
